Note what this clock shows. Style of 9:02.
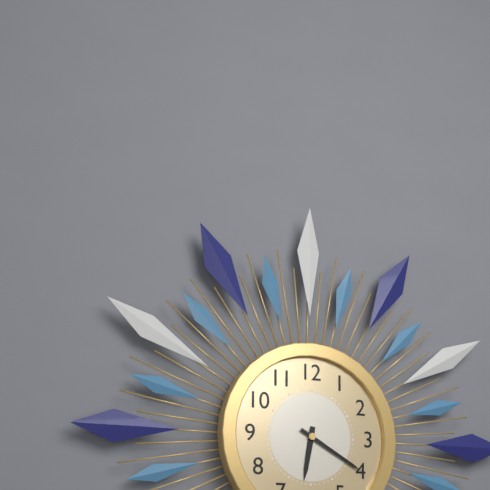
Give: 6:20
